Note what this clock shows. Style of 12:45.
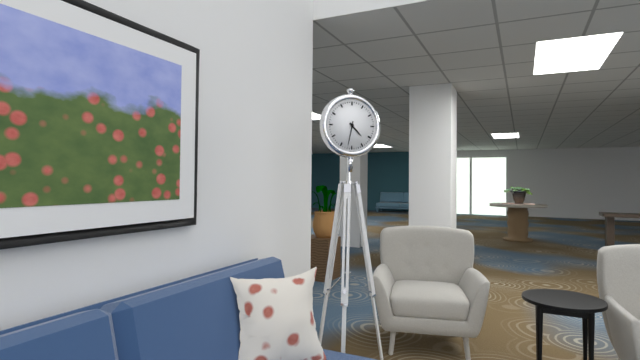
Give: 4:32
